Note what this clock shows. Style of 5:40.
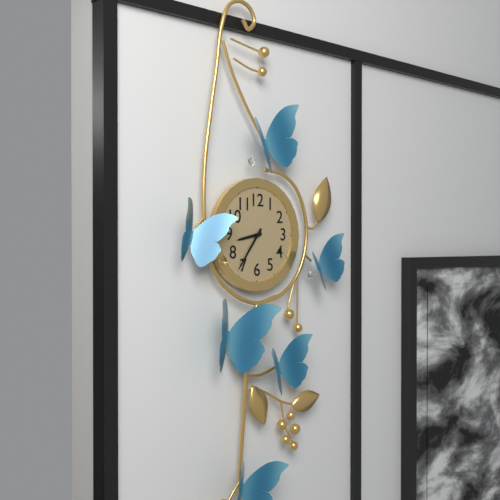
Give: 8:36
